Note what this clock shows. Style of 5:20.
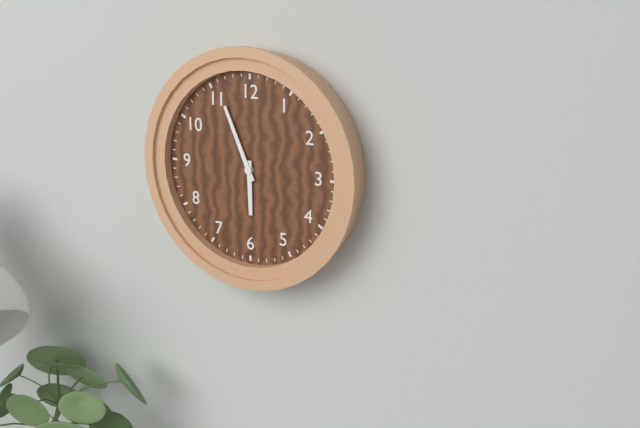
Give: 5:56
